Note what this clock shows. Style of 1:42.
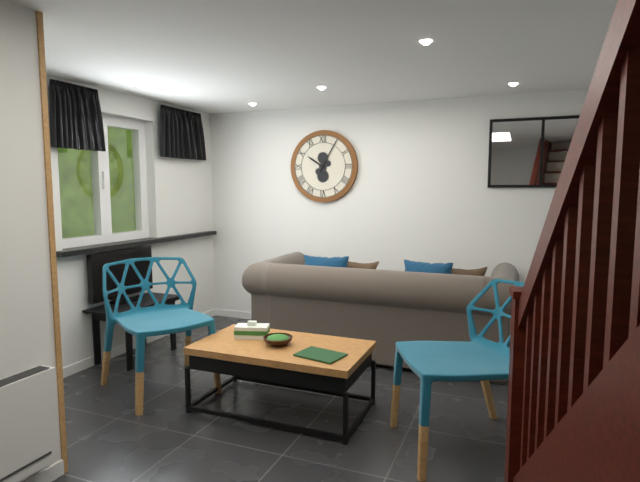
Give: 10:05
